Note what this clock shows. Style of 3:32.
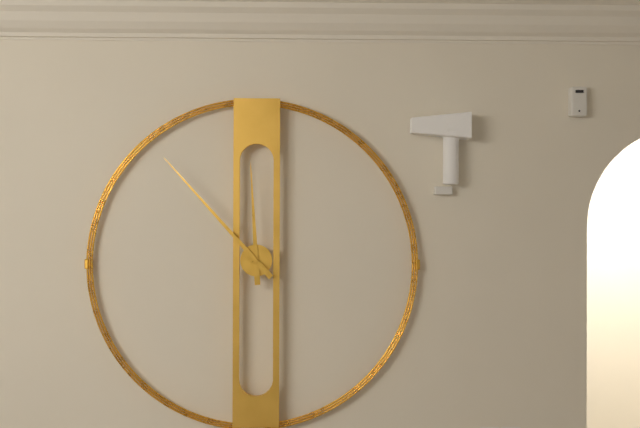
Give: 11:53
